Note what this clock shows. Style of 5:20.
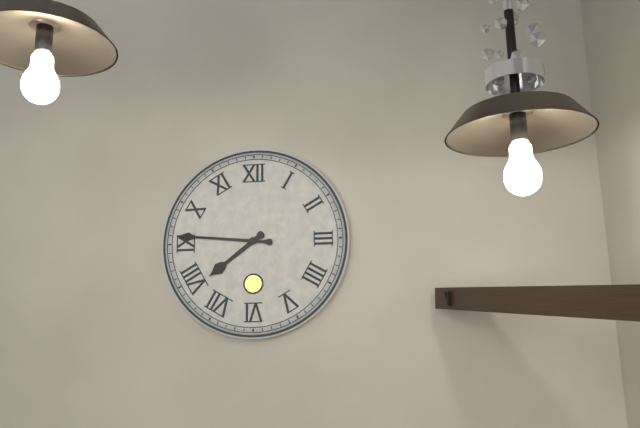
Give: 7:46
